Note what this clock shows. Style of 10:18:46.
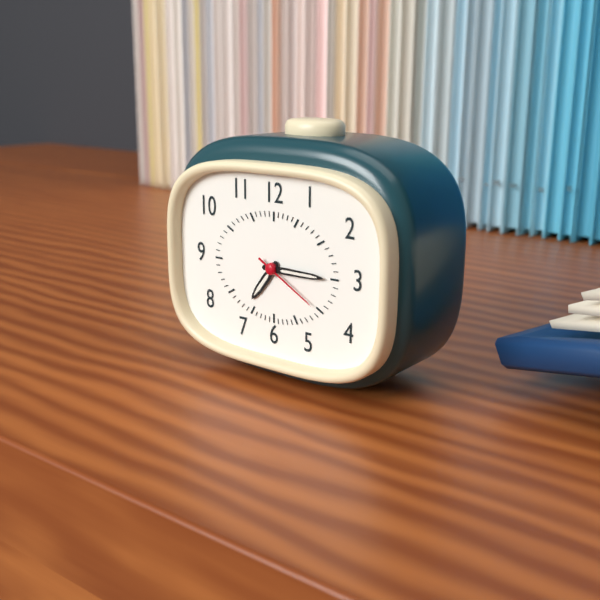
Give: 7:15:20
